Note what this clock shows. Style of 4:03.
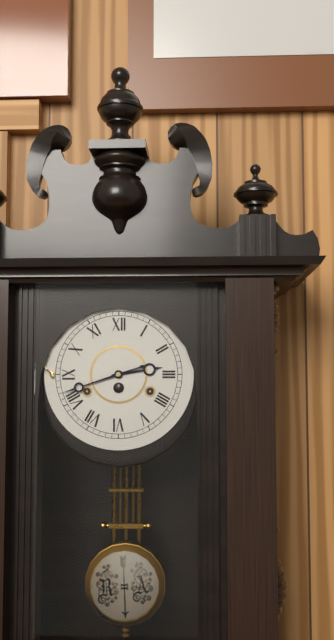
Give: 2:42
